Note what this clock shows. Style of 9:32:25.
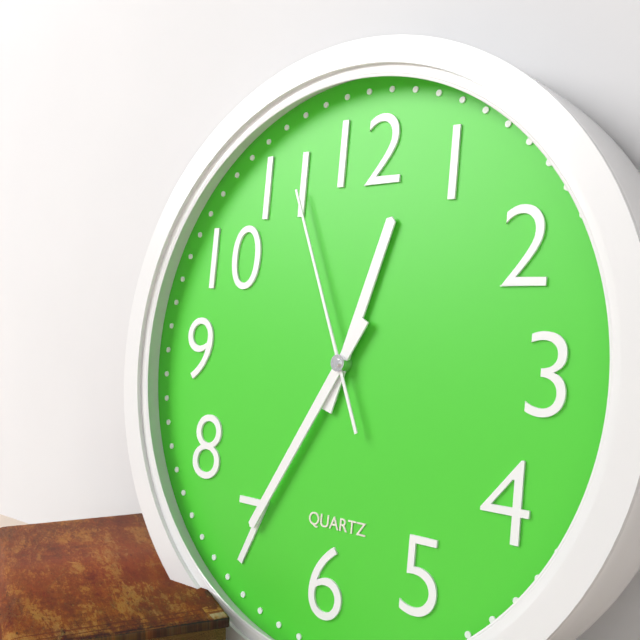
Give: 12:35:56
